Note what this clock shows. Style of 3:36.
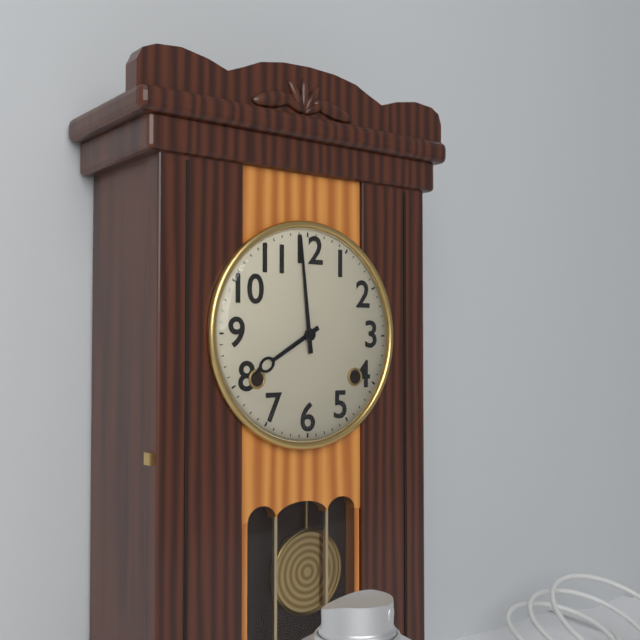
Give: 7:59
